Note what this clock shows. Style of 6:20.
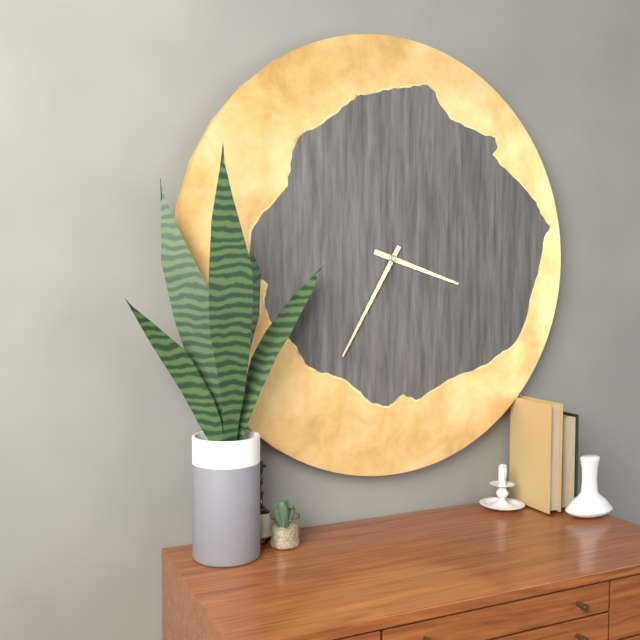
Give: 3:35
